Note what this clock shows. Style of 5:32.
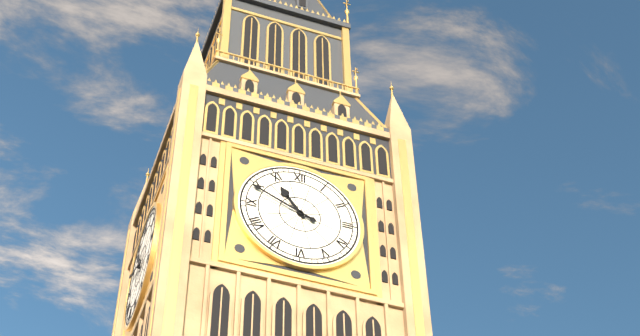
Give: 10:49
